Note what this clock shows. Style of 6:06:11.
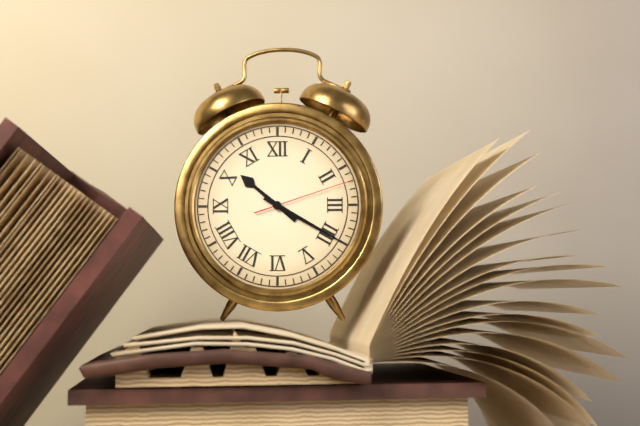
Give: 10:20:12
